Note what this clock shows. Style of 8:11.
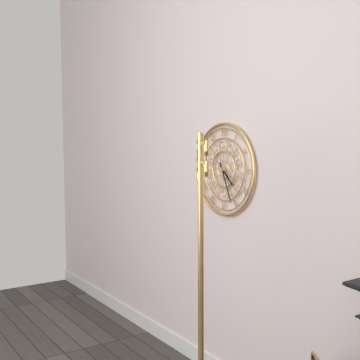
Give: 4:26
